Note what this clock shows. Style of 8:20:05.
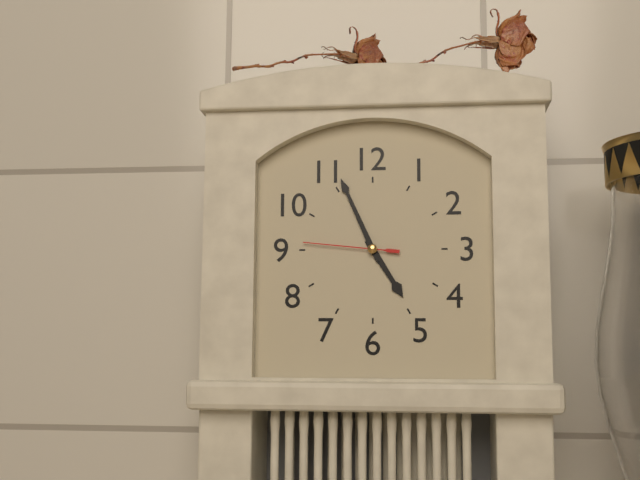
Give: 4:56:46
